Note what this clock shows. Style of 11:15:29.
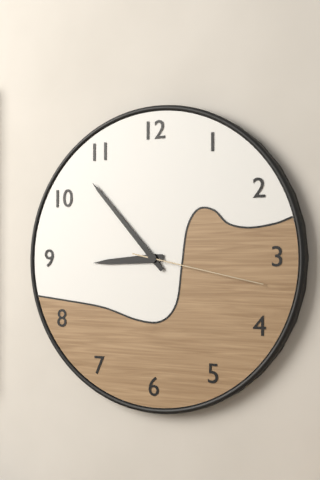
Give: 8:53:17
